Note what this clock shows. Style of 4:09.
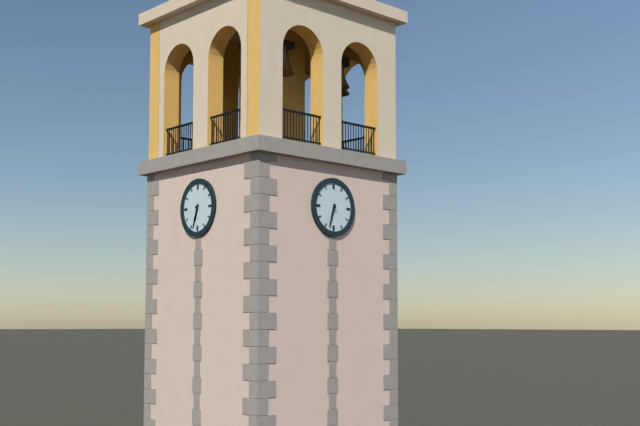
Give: 6:33
